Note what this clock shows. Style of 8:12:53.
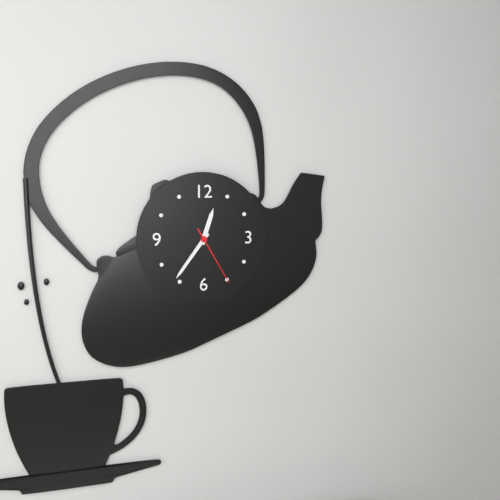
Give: 12:36:25
